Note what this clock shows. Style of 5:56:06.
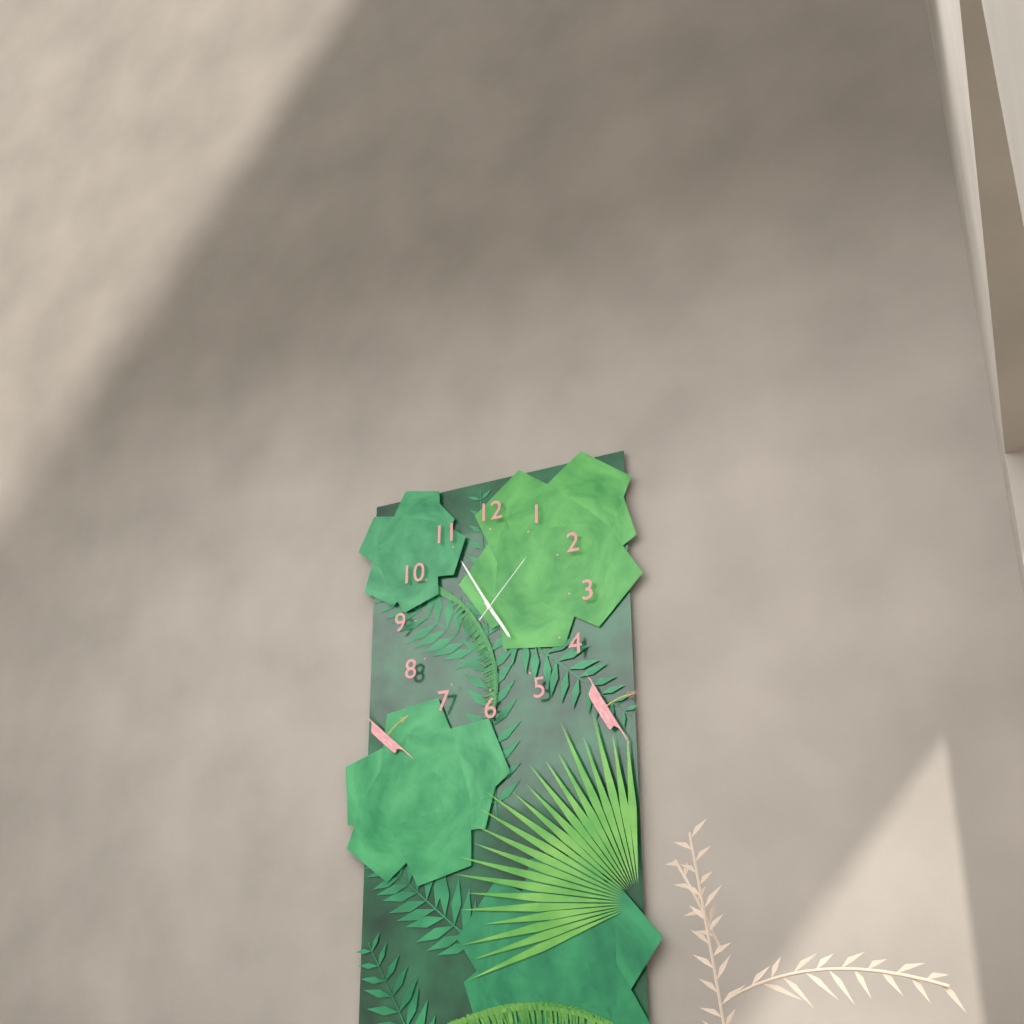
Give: 4:55:07
